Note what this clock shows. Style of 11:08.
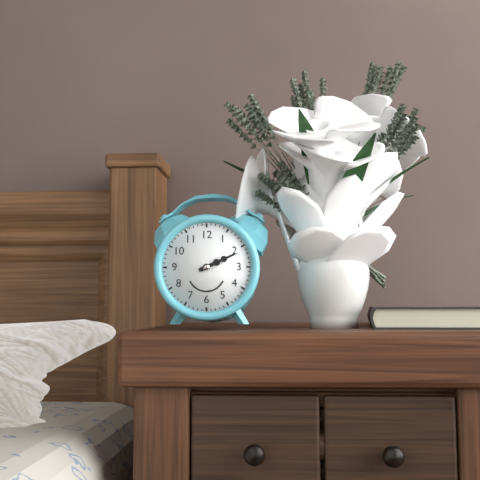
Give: 2:11
